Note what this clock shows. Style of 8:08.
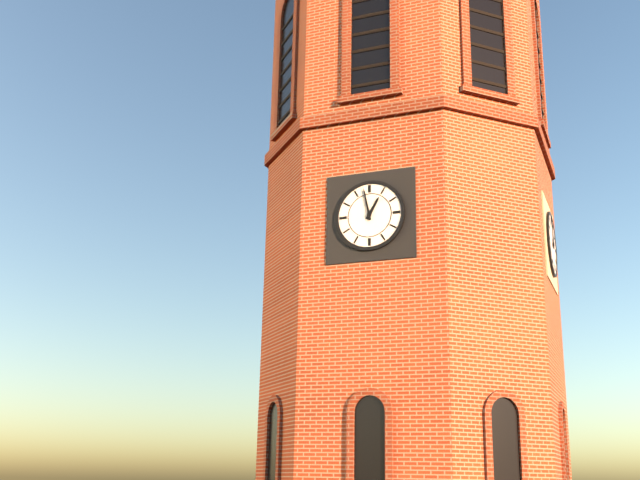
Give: 12:58
